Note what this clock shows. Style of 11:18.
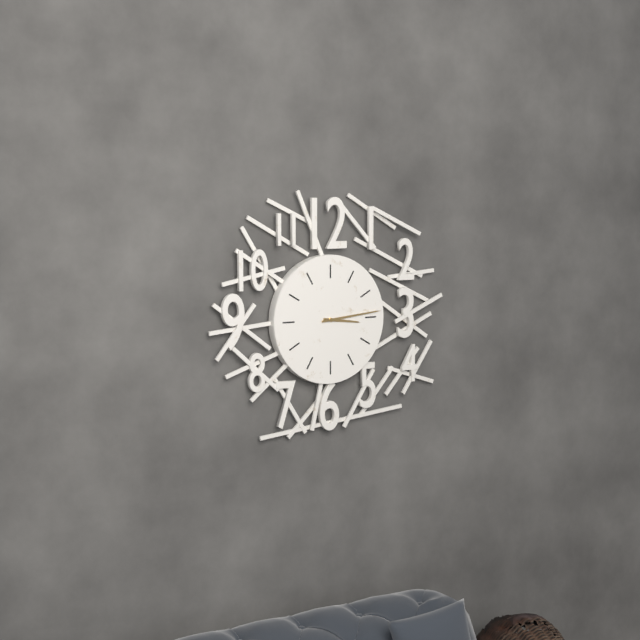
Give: 3:14
